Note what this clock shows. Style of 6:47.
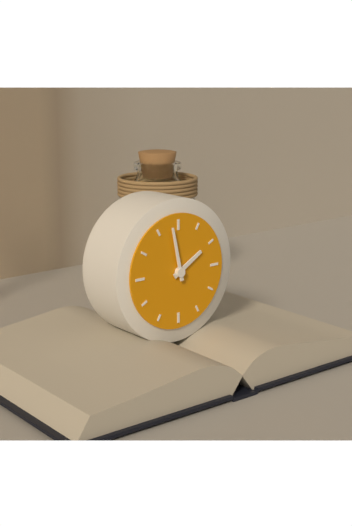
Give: 1:58
